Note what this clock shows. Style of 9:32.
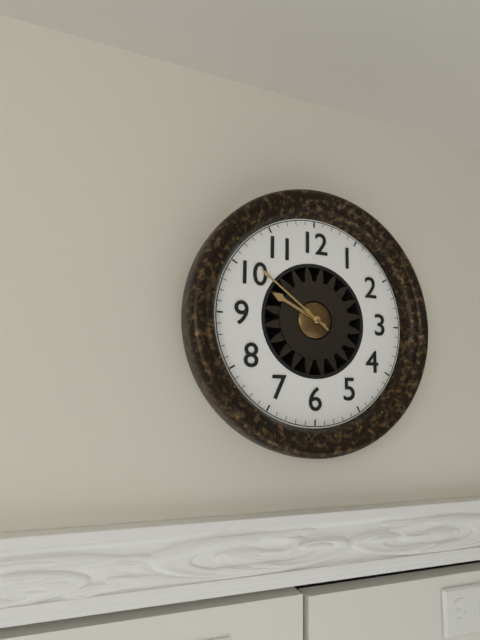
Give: 9:51
